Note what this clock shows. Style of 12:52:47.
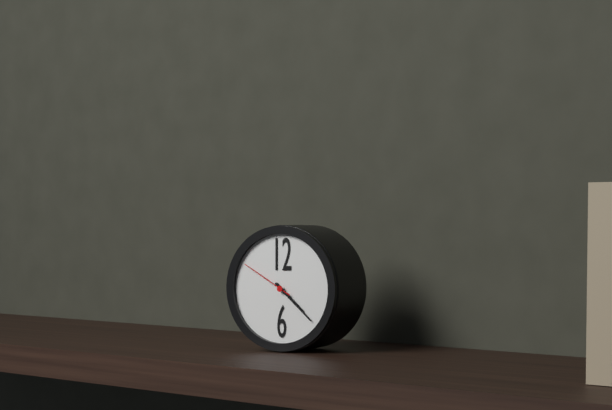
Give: 4:22:50
